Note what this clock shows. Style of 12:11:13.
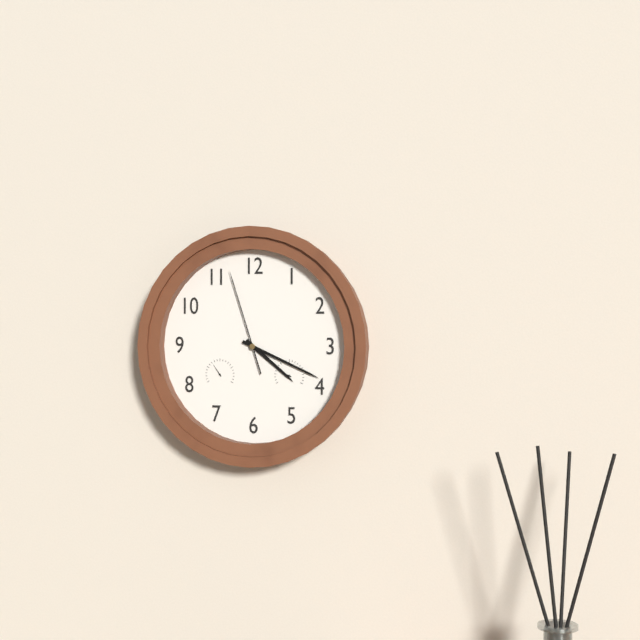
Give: 4:19:57
